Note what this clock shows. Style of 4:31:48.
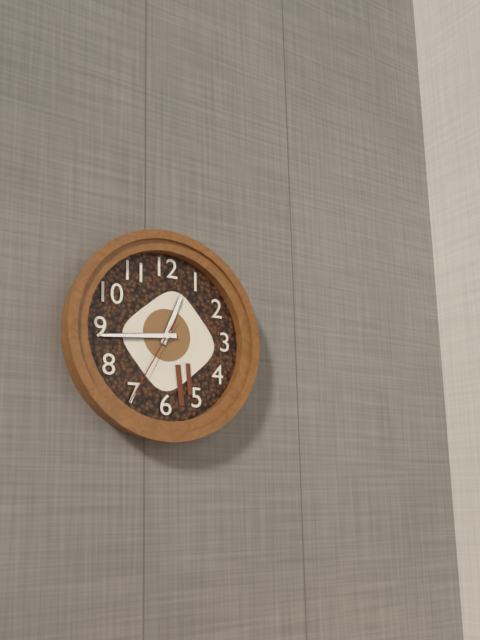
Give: 12:44:35
